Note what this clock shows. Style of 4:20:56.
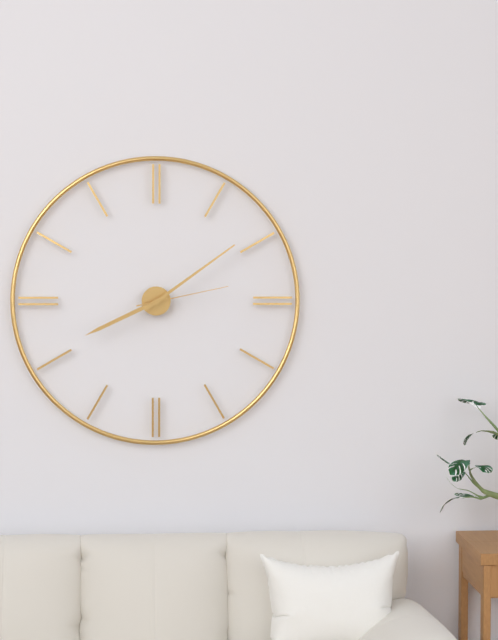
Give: 8:09:13
